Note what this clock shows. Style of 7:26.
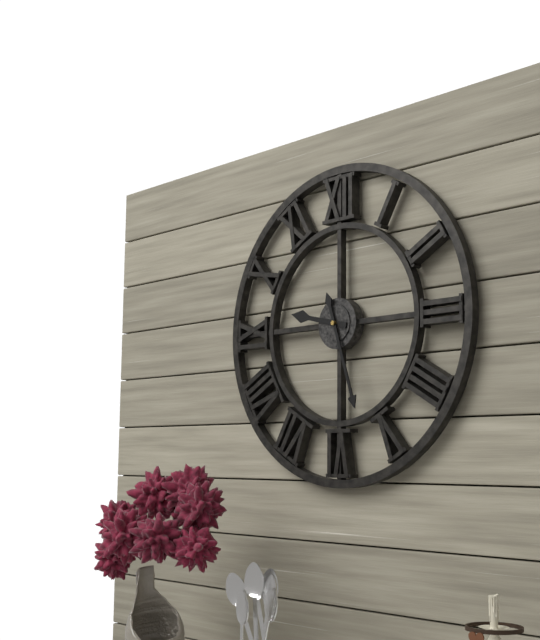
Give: 9:27
